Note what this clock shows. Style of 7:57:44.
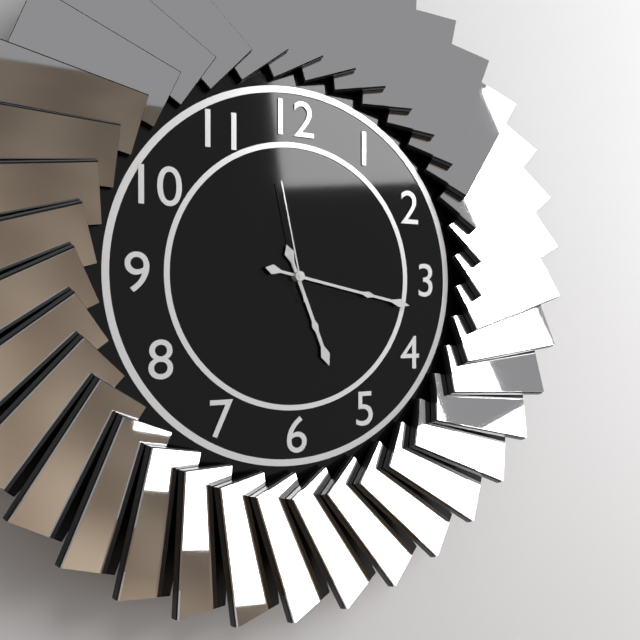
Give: 5:17:58
